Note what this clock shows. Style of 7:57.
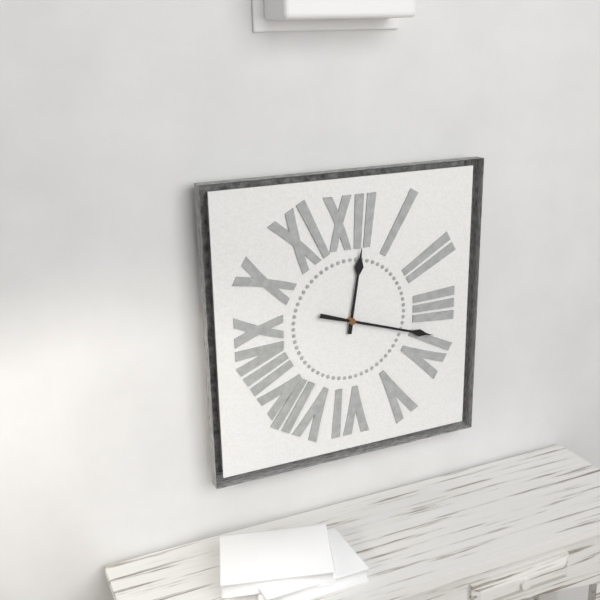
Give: 12:18
